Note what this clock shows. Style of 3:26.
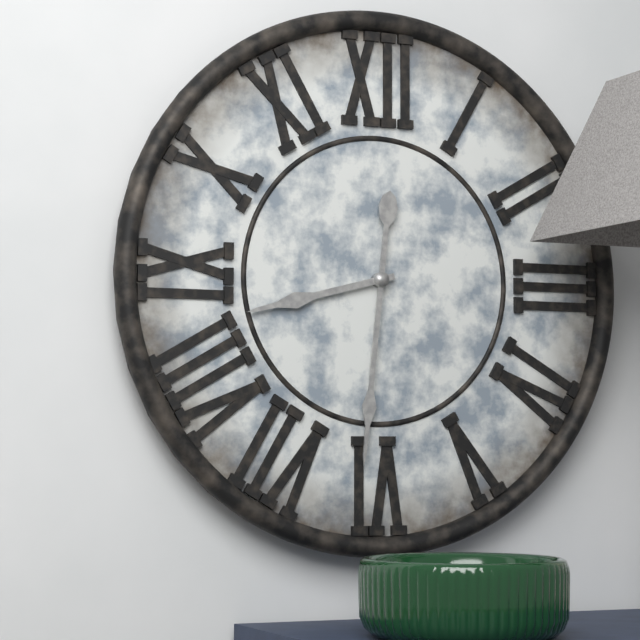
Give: 8:31
